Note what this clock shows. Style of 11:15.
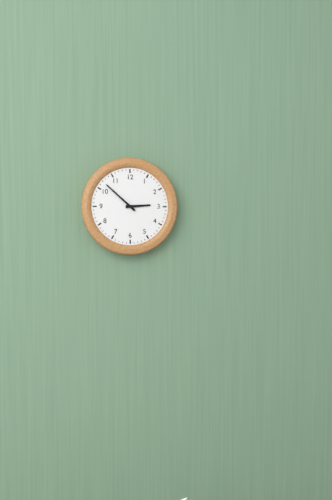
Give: 2:52
